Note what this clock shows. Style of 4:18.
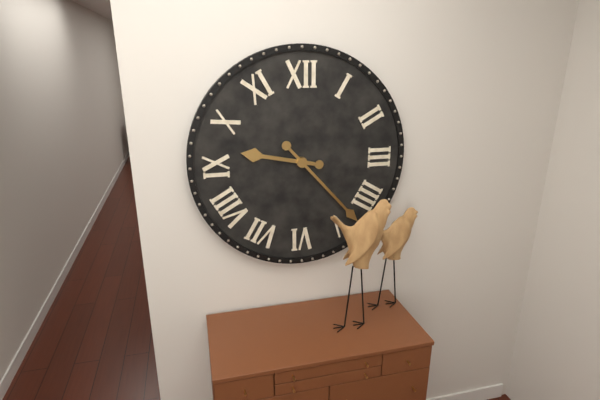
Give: 9:23
